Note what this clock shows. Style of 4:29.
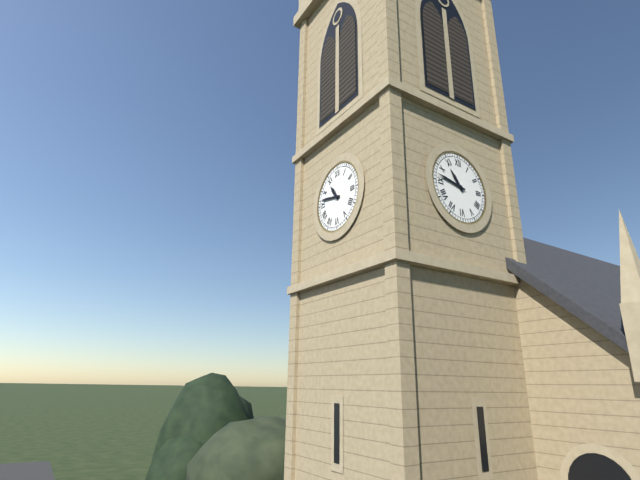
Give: 10:47
